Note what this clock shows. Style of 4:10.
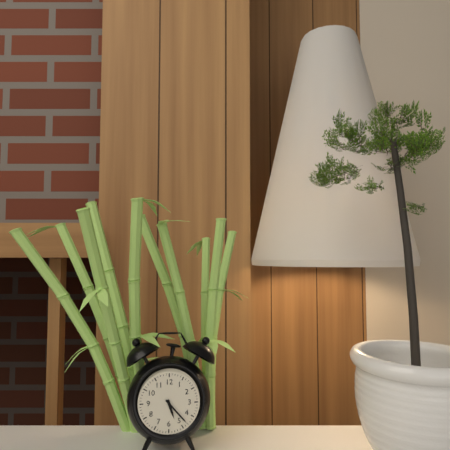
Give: 5:23
